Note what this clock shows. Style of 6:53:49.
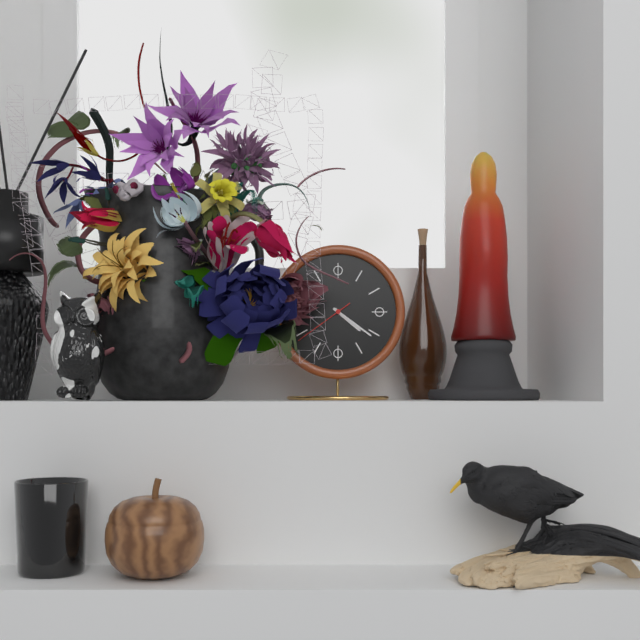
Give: 4:21:39
